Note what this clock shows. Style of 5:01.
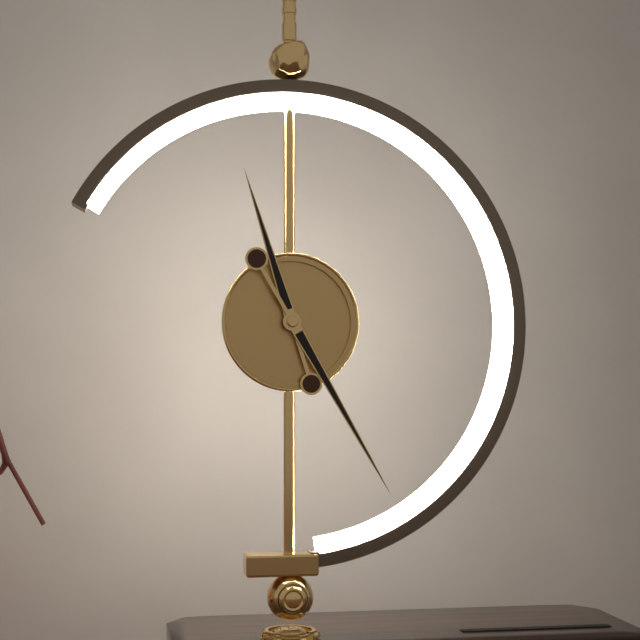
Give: 11:25
